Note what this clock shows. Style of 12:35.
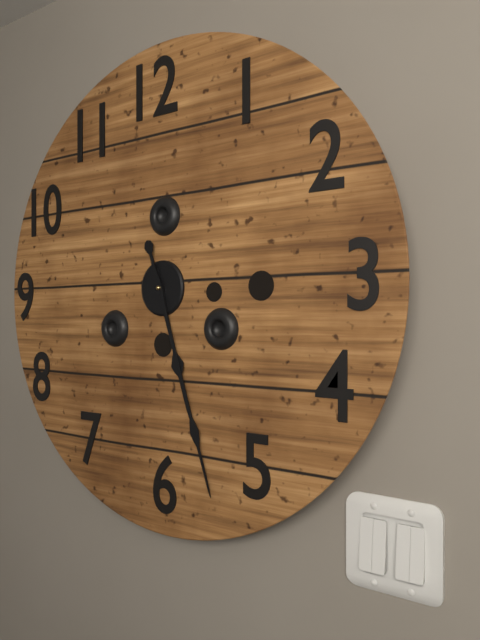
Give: 5:27
